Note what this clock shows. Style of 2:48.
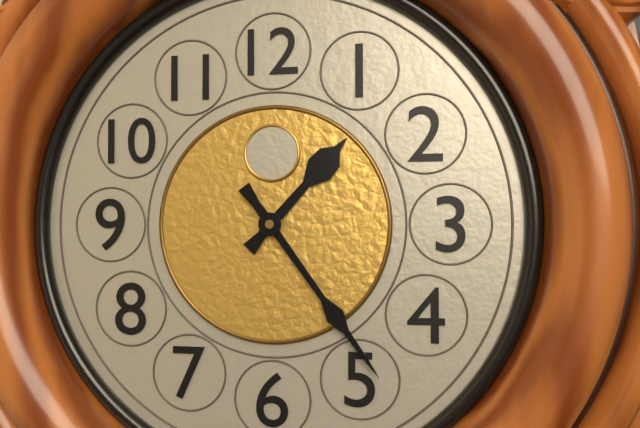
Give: 1:24
